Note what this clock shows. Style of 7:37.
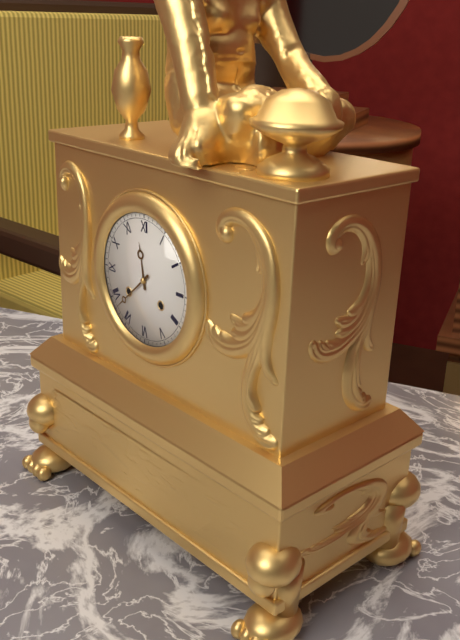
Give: 11:38
